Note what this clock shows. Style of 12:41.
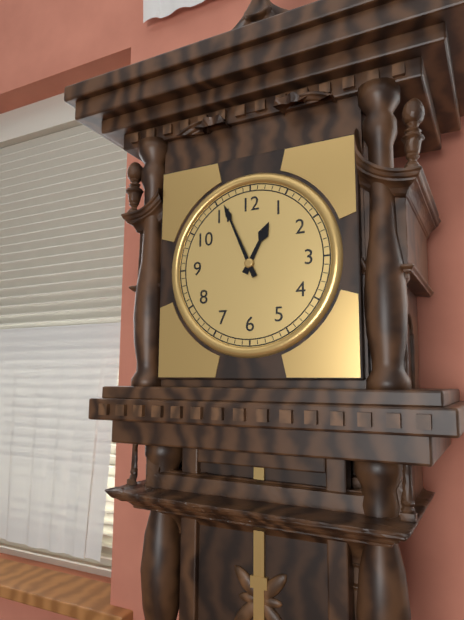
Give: 12:56
